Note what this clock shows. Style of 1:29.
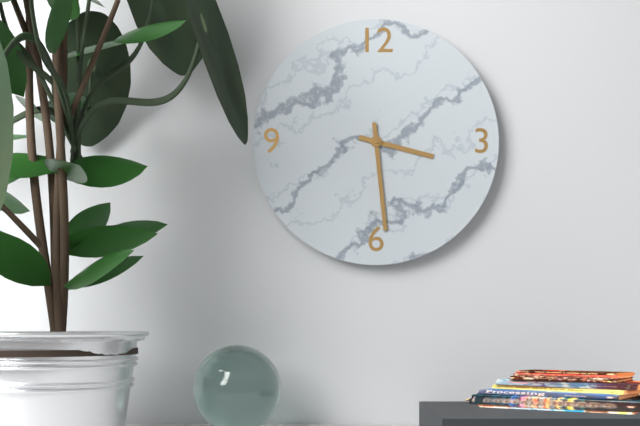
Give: 3:29
